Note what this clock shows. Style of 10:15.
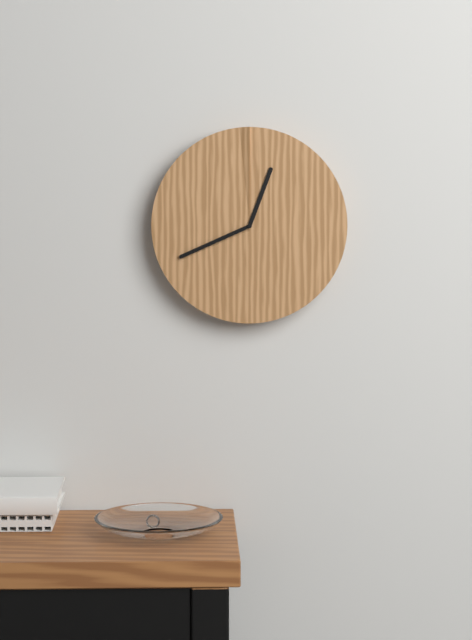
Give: 12:41
